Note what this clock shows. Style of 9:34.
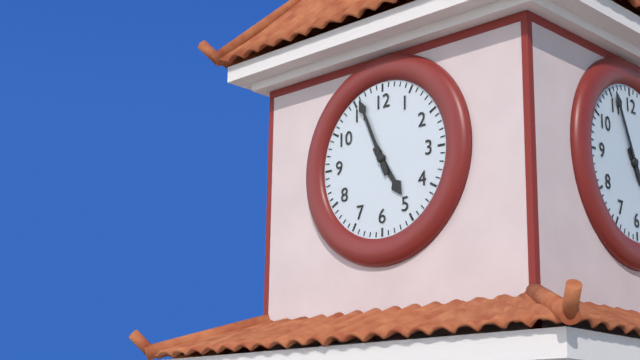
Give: 4:56
